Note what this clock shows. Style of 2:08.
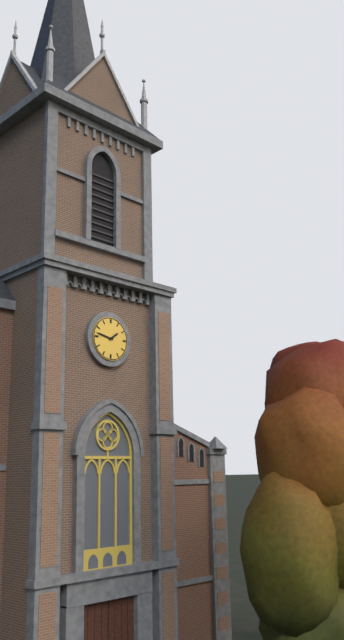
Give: 1:47
